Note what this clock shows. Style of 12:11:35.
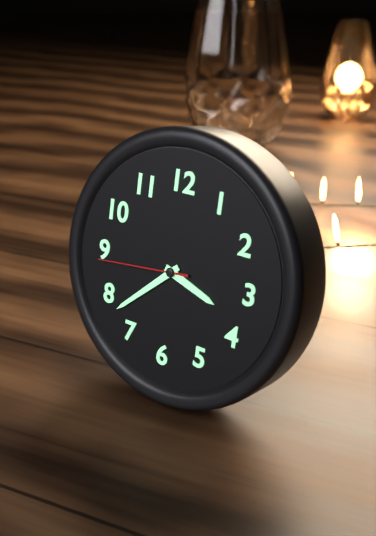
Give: 3:38:44
